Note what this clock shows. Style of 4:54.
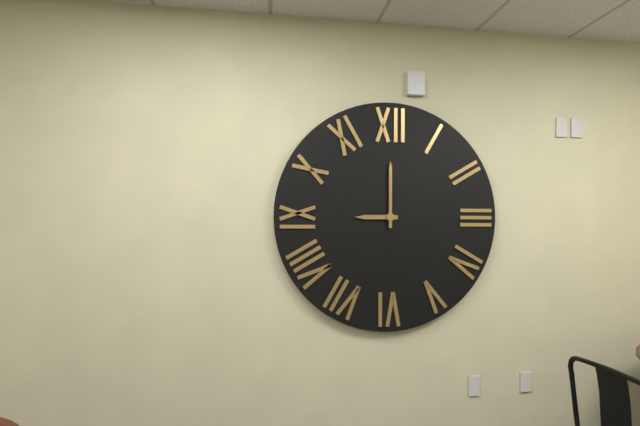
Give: 9:00
